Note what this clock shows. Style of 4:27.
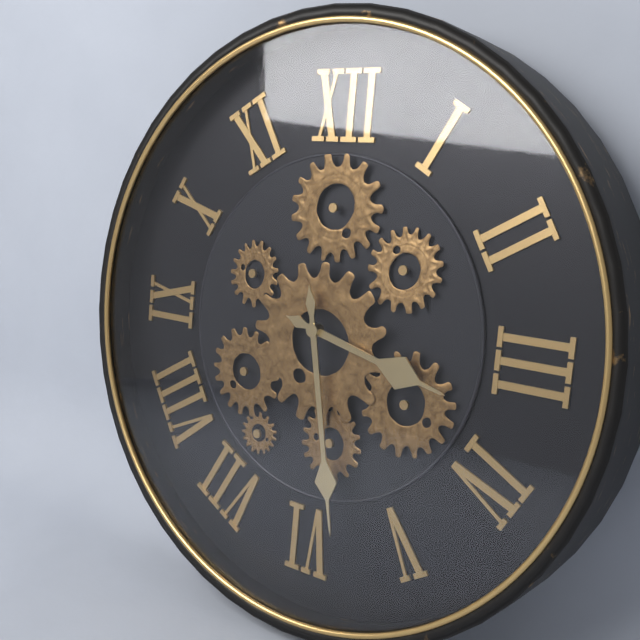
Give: 3:28
